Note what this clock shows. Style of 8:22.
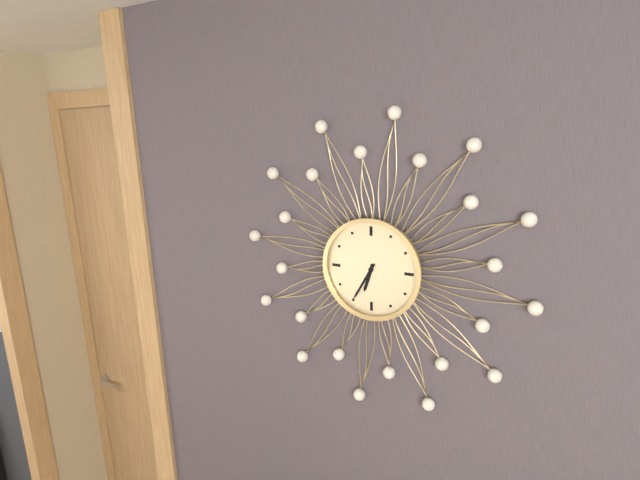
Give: 6:35
